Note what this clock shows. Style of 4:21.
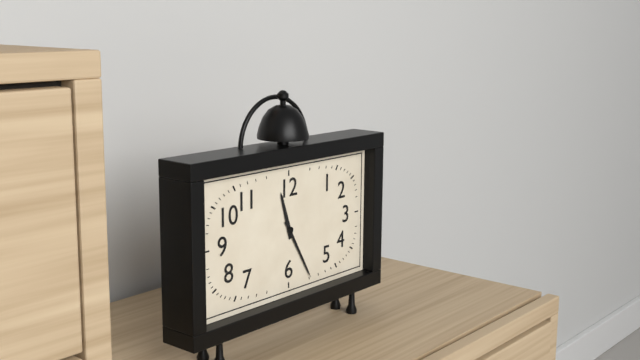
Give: 11:25
